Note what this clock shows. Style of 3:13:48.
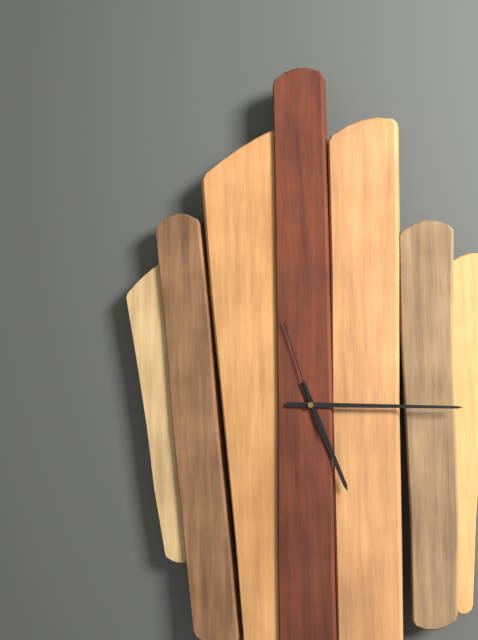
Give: 5:15:57
